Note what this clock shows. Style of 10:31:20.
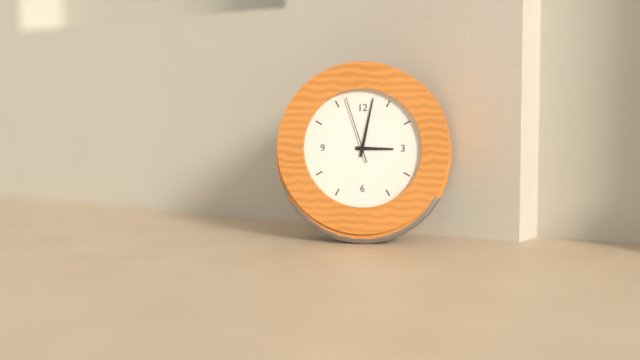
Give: 3:02:57
